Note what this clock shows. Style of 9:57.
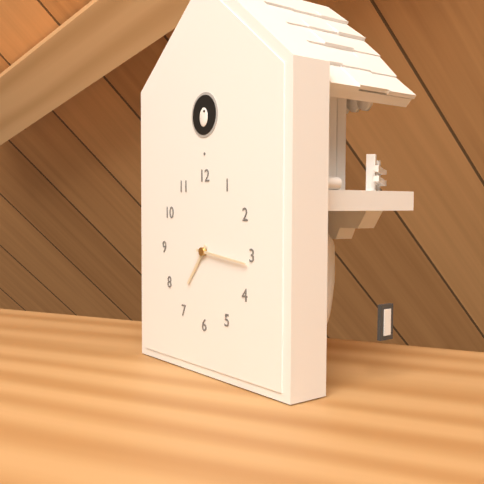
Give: 7:16
